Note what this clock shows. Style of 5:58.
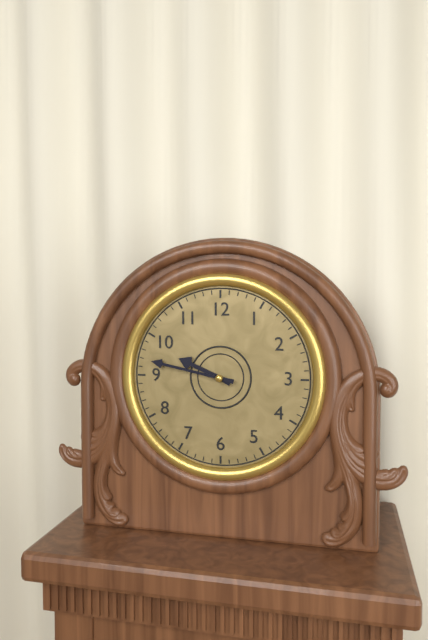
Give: 9:47
